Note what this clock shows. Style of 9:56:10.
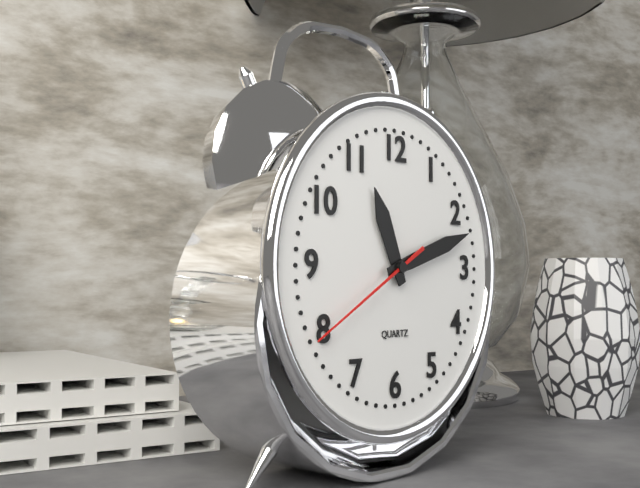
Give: 11:12:40
